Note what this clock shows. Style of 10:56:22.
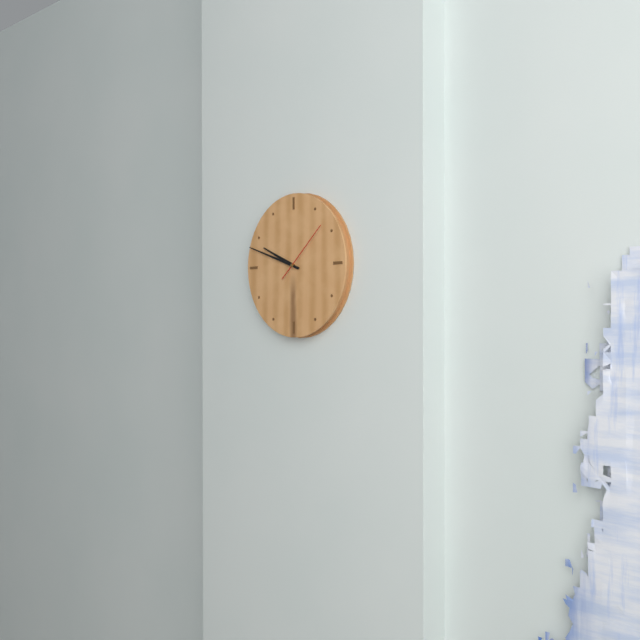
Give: 9:48:08
